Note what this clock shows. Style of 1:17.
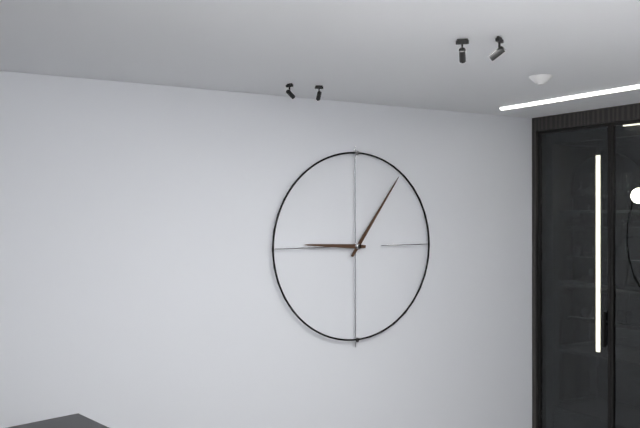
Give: 9:06
